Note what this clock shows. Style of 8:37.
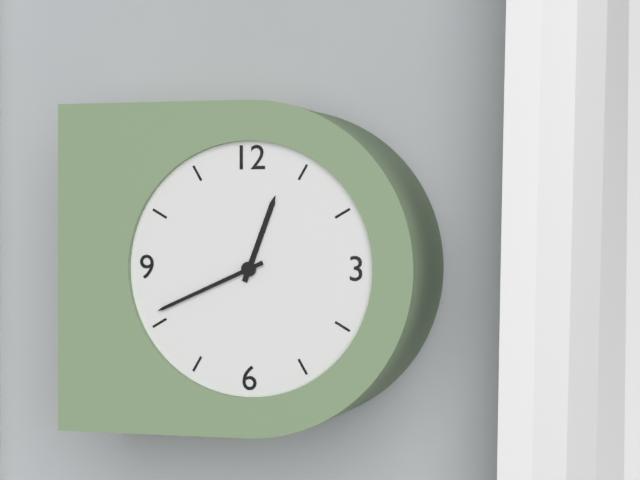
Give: 12:41
